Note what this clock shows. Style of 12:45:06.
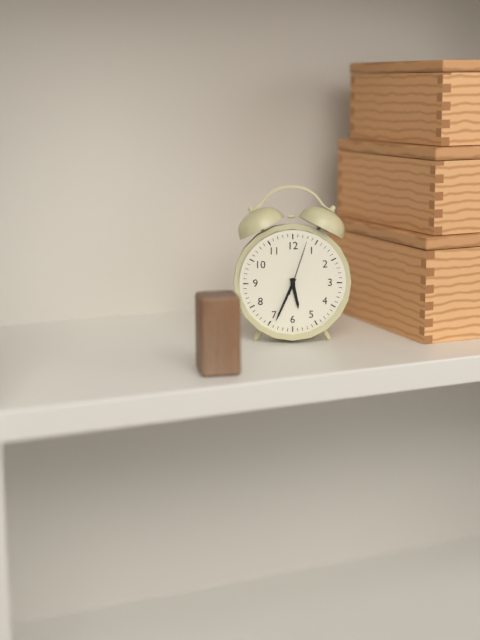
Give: 5:34:03
